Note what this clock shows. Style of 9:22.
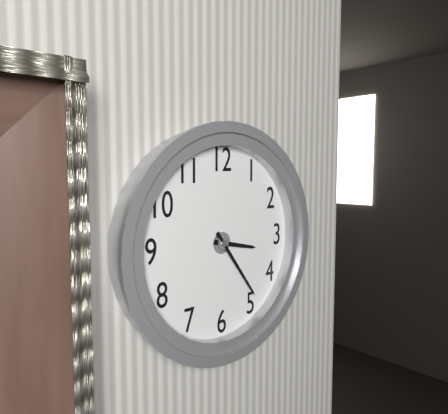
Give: 3:24
